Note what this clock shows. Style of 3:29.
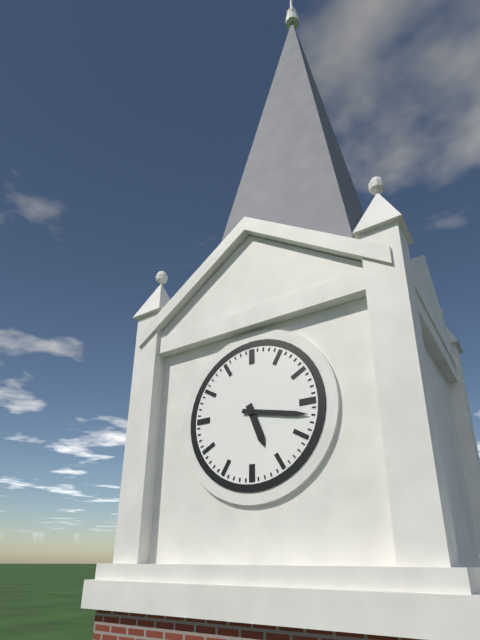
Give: 5:17
